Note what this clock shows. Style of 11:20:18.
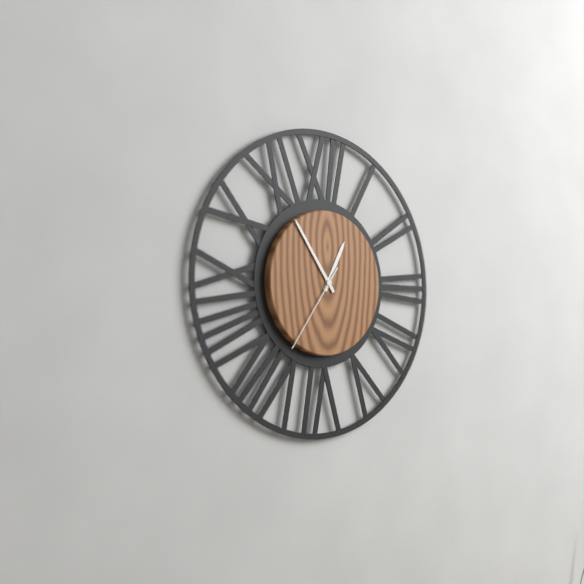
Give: 12:54:36
